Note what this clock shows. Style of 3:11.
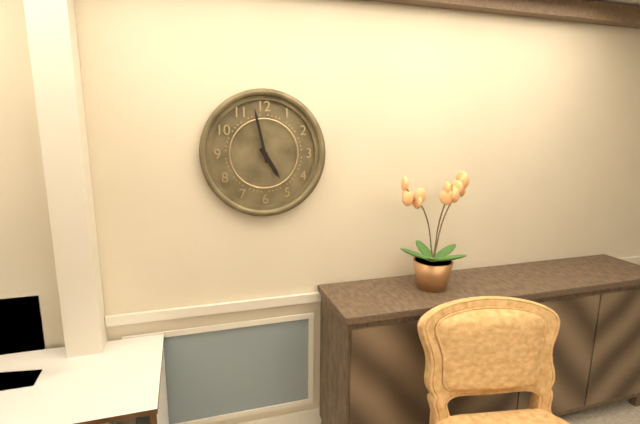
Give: 4:58
